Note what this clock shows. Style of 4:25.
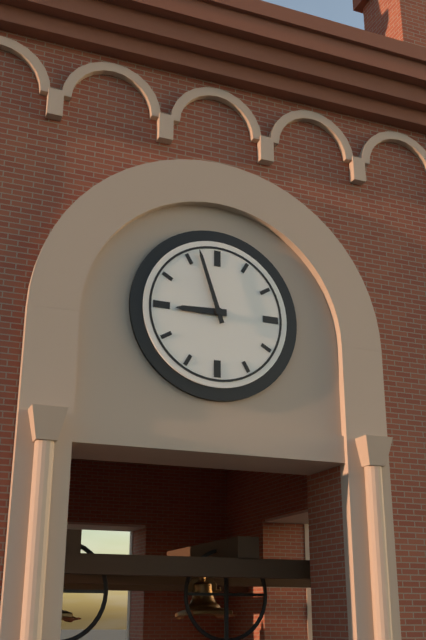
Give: 8:57
